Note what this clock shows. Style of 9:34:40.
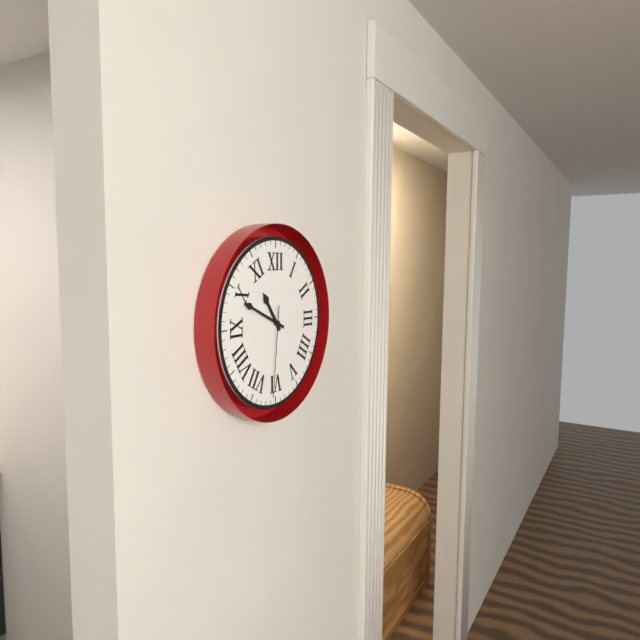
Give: 10:49:31
